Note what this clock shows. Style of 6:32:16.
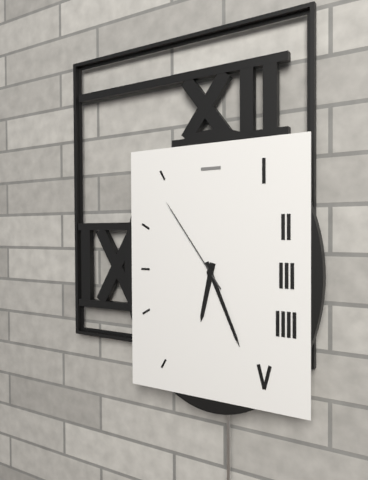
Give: 6:26:54
